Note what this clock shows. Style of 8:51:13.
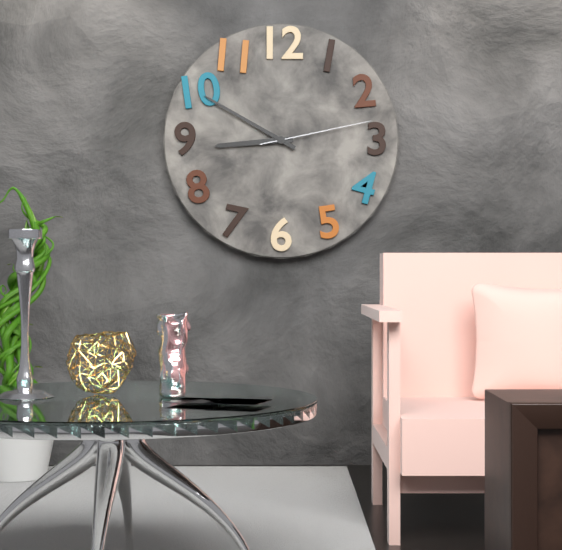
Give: 8:50:13
